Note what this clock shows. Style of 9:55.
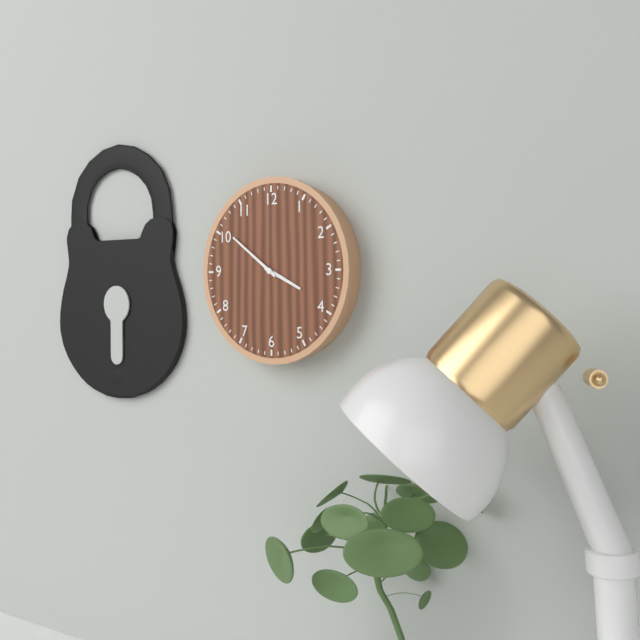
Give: 3:51
